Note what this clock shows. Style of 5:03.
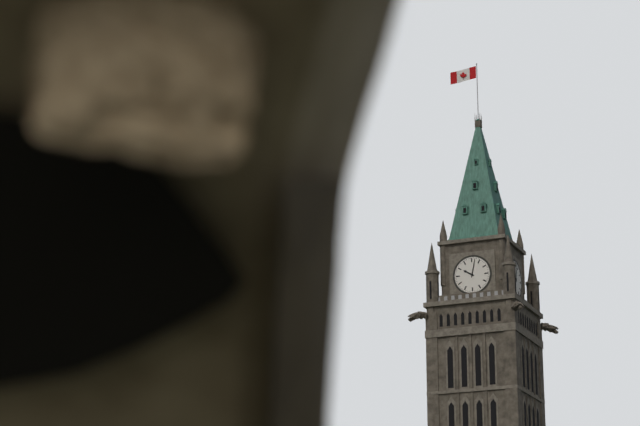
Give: 10:02
